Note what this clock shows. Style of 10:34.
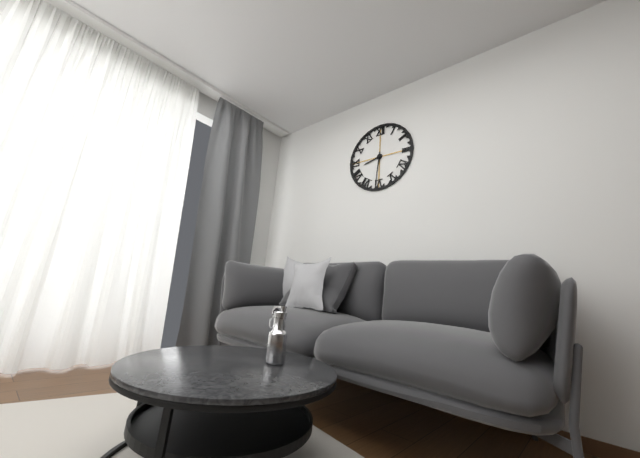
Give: 8:31
